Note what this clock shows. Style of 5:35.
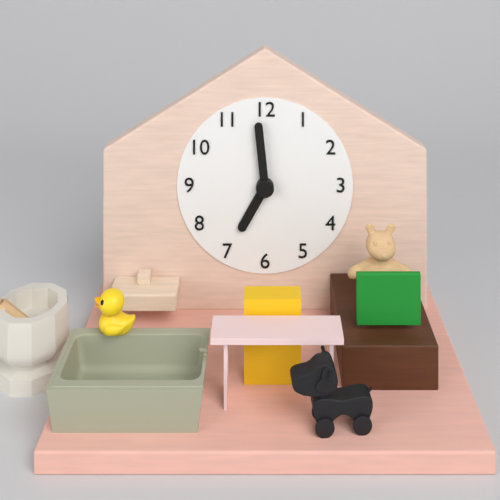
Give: 6:59
